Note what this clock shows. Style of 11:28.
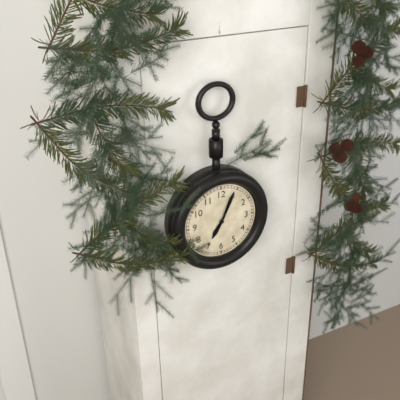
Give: 7:04
